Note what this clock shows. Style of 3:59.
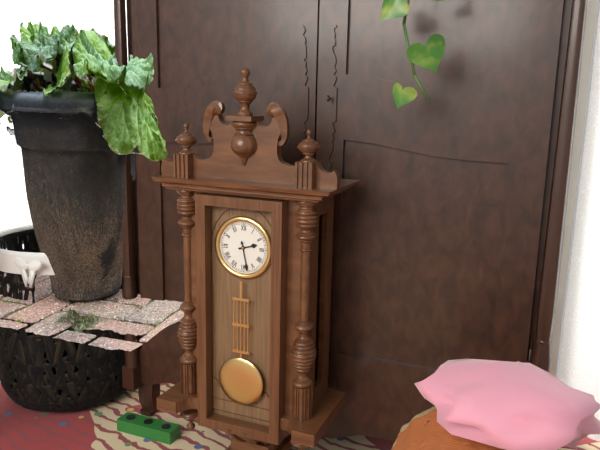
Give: 2:28
